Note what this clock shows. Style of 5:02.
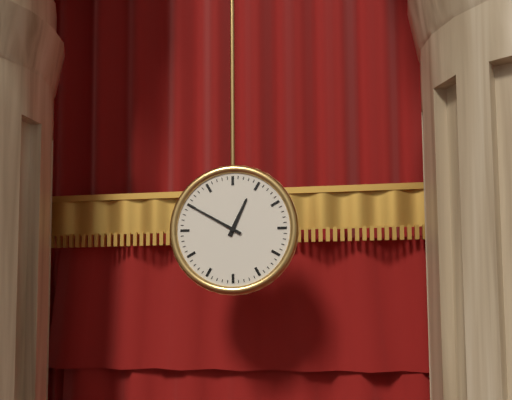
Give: 12:50
